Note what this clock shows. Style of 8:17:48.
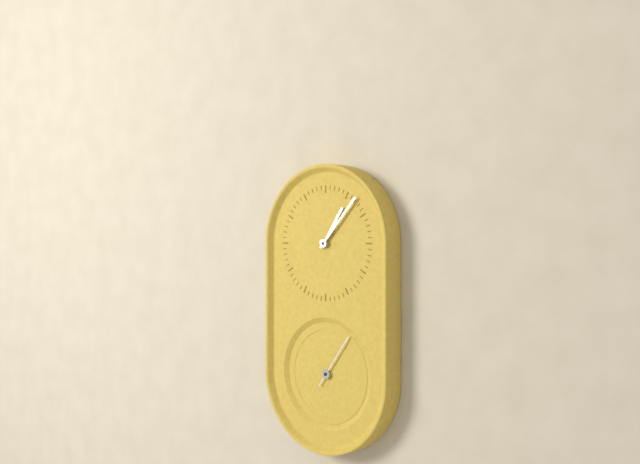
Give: 1:07:06
